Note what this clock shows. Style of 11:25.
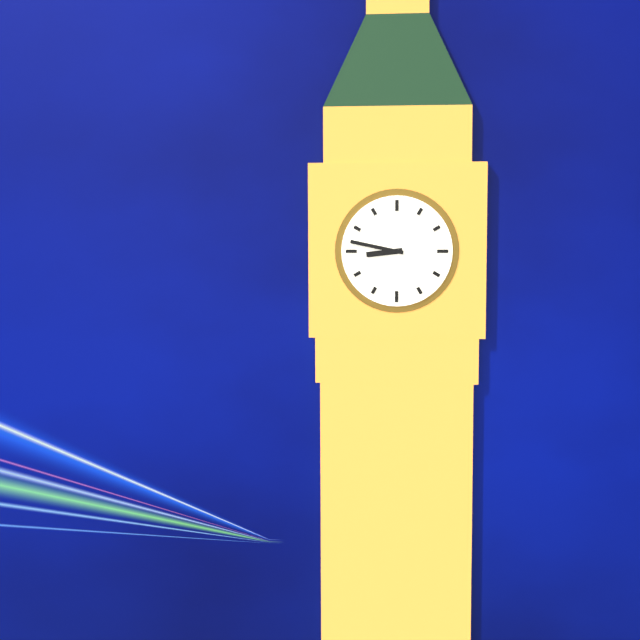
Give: 8:47
